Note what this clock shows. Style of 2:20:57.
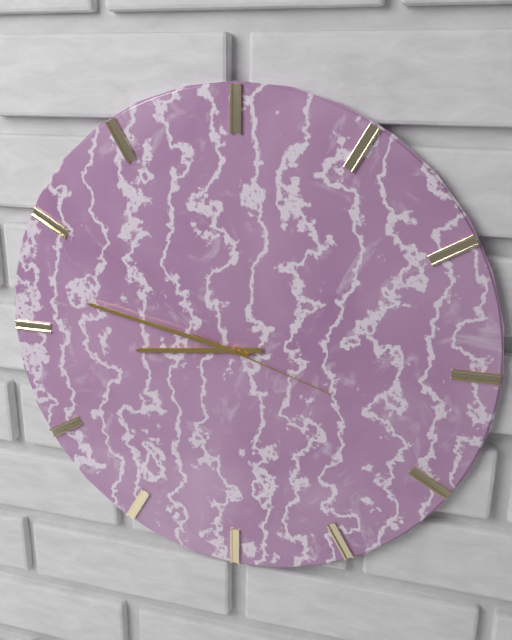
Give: 8:47:18
